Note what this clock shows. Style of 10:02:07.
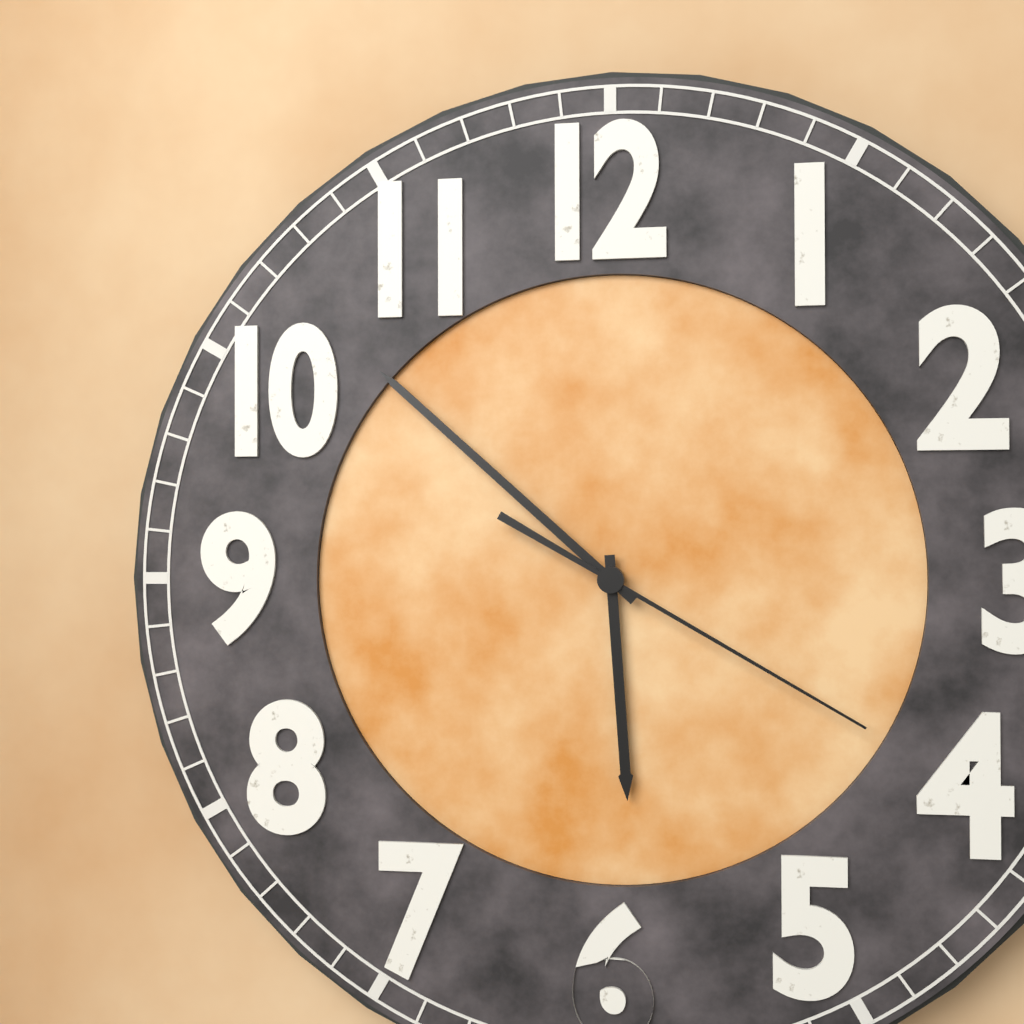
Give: 5:52:20
